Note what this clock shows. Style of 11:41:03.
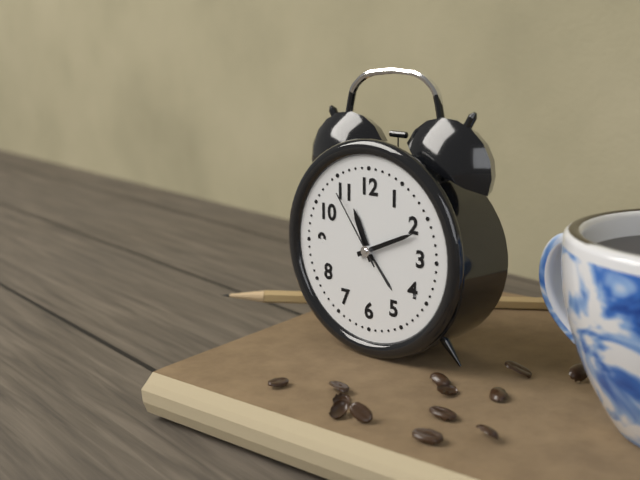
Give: 11:11:54
